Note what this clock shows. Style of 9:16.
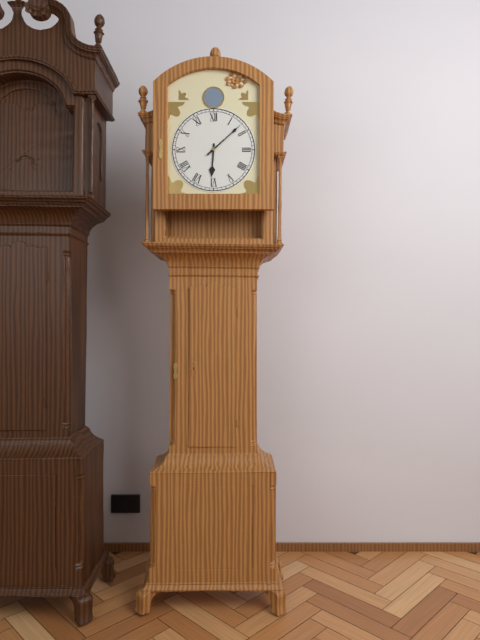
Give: 6:08
